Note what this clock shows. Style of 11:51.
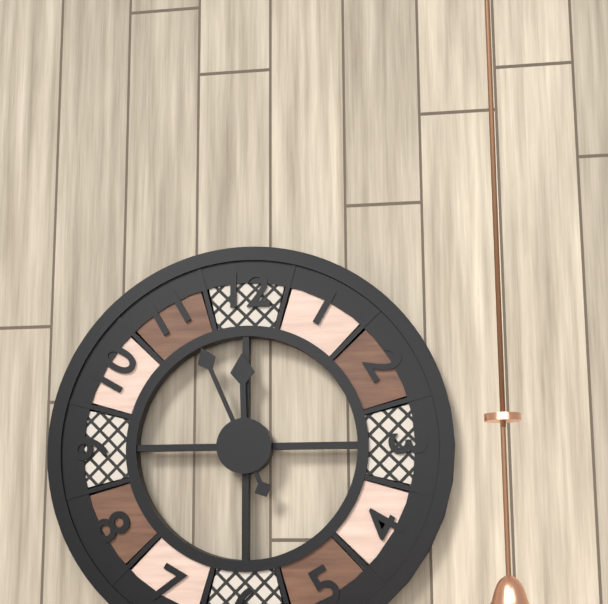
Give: 11:56
